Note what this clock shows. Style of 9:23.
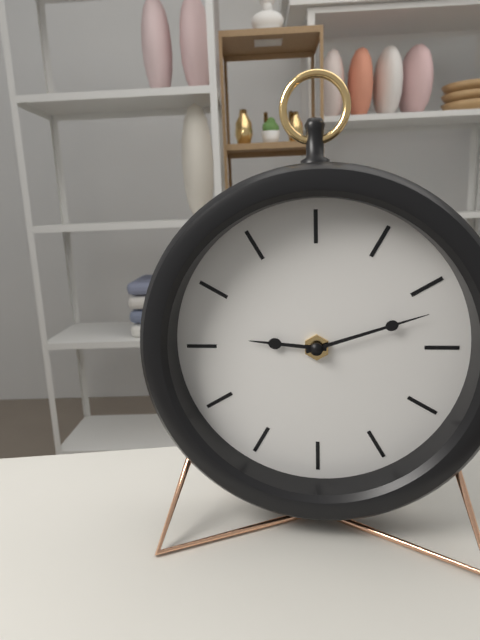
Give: 9:12
